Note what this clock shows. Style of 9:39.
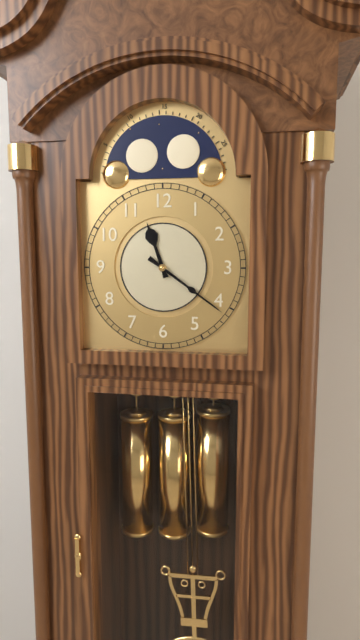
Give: 11:21
